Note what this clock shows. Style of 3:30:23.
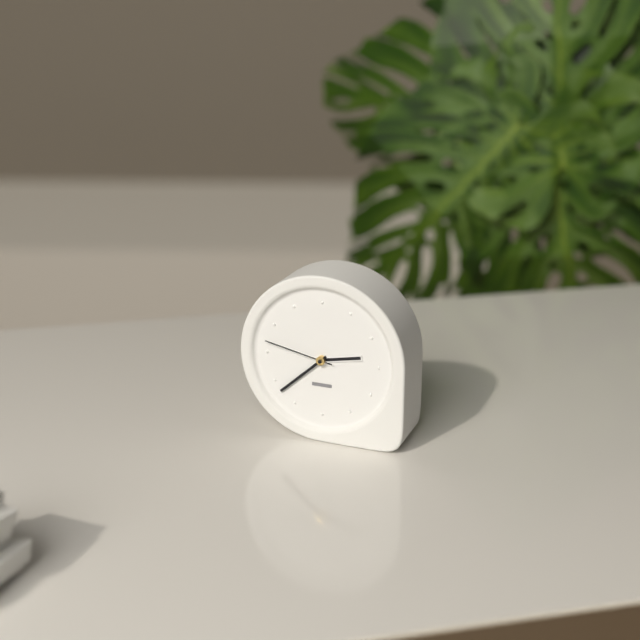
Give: 2:38:47
